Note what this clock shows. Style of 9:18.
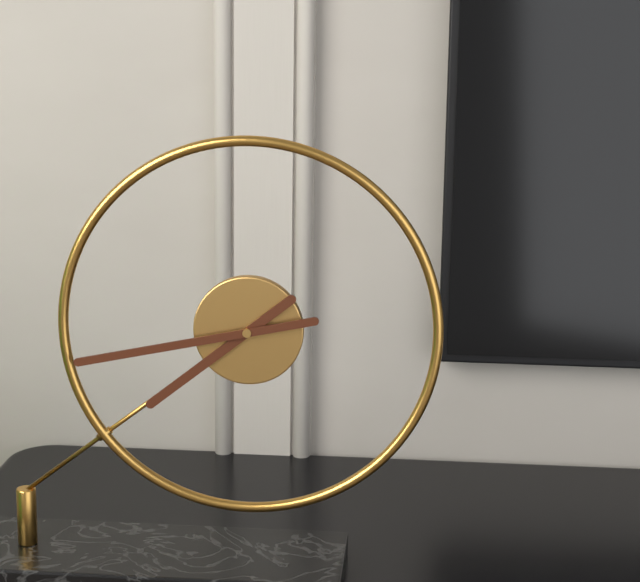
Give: 7:43
